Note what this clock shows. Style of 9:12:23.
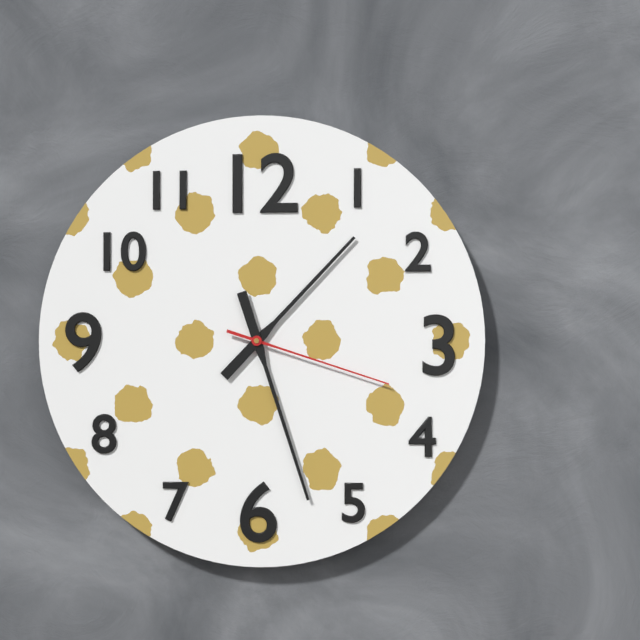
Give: 1:27:18
